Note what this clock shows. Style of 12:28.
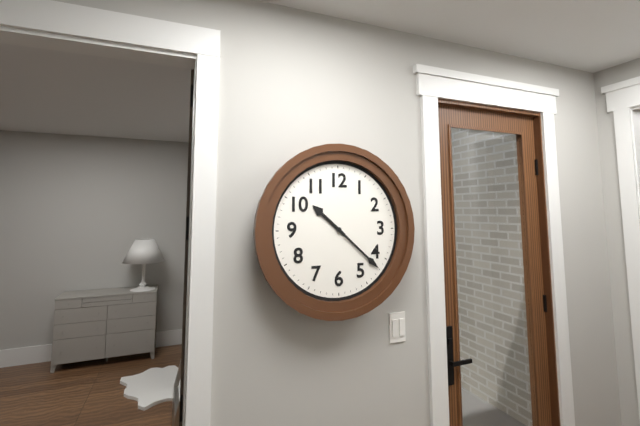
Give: 10:22
